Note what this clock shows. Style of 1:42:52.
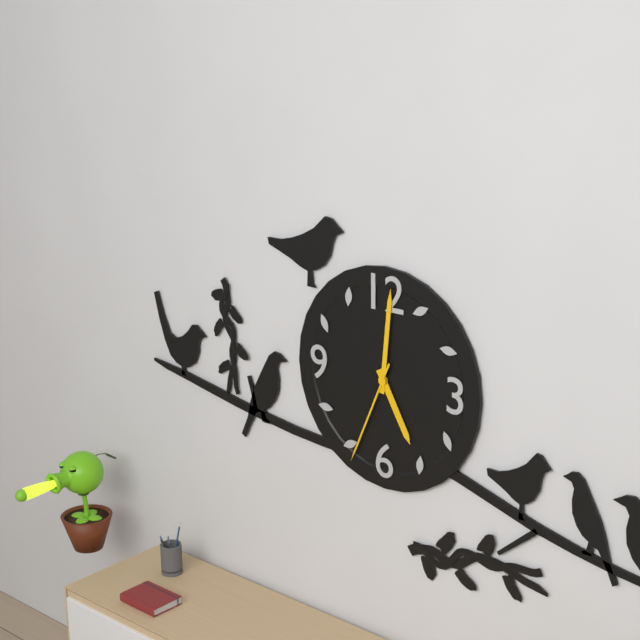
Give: 5:01:34
